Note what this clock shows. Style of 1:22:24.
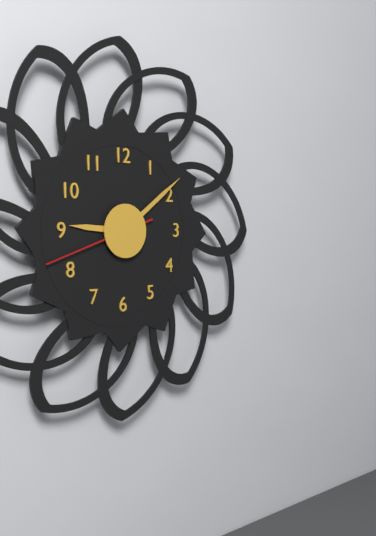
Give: 9:09:42
